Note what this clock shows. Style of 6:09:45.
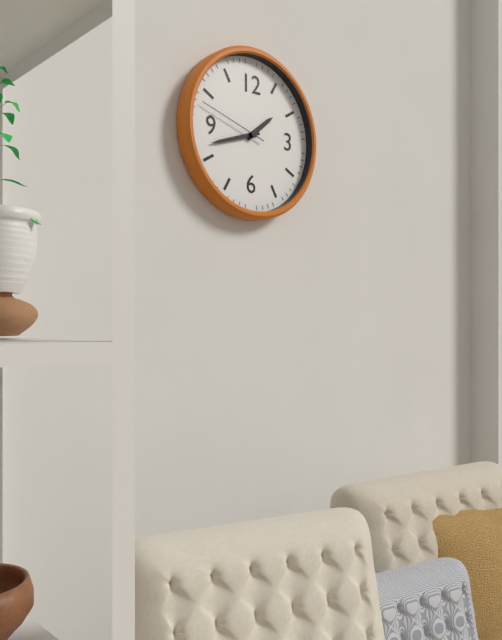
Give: 1:42:48
